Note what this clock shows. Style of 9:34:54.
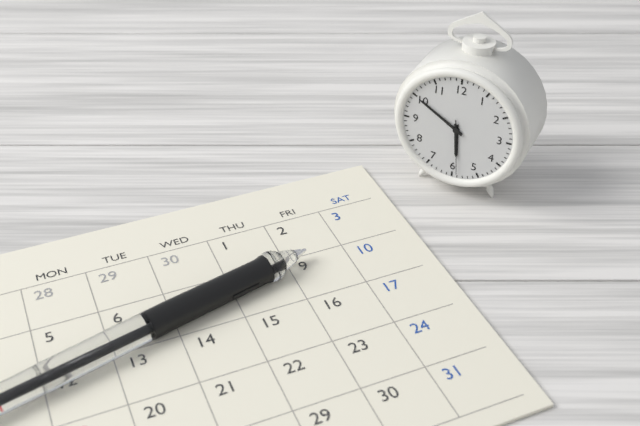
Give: 5:50:29
